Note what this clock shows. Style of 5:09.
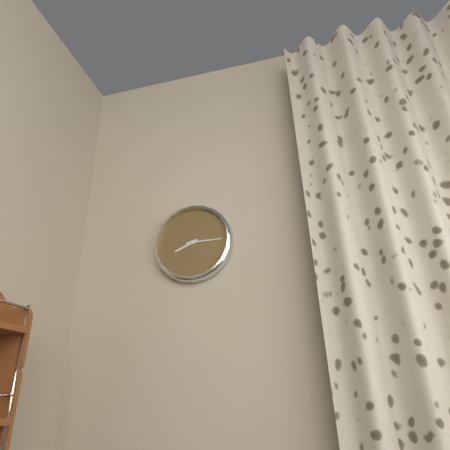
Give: 8:15
